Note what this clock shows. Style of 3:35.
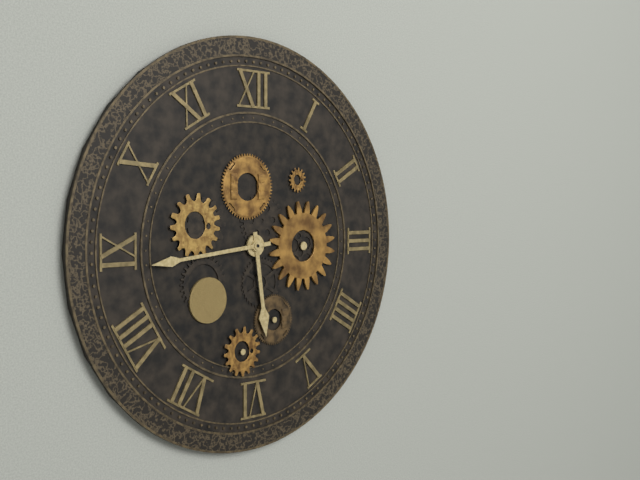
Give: 5:44
